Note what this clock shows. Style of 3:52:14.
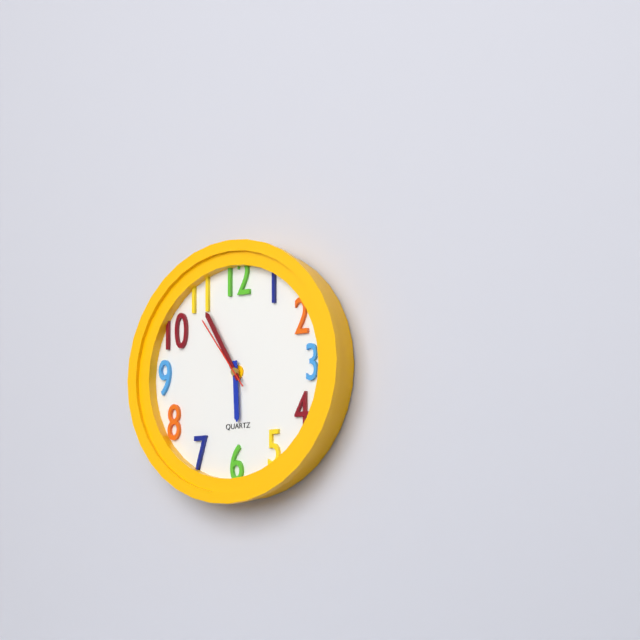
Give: 5:55:54
